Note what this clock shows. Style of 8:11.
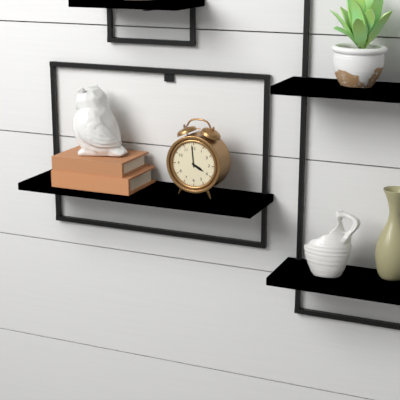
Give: 3:59
